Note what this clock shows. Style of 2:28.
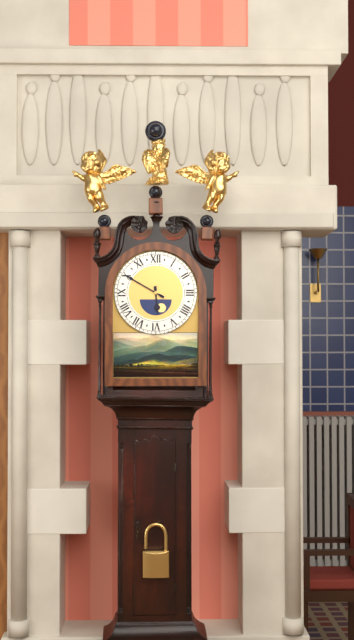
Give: 5:50
